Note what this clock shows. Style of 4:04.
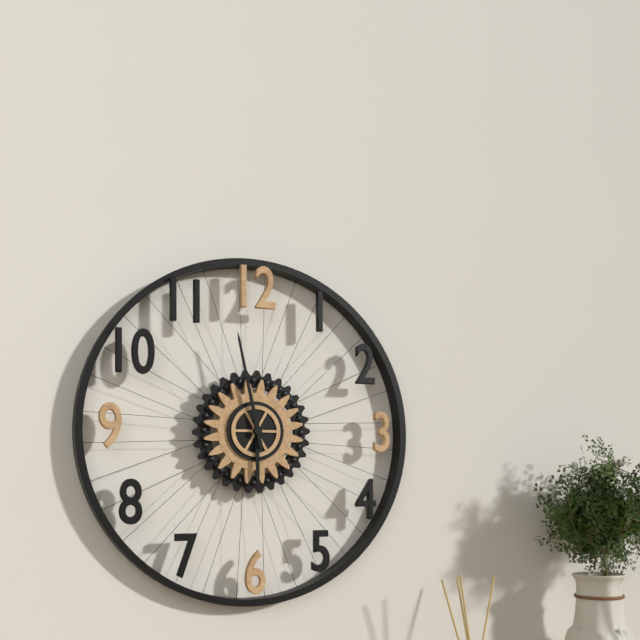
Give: 5:58
